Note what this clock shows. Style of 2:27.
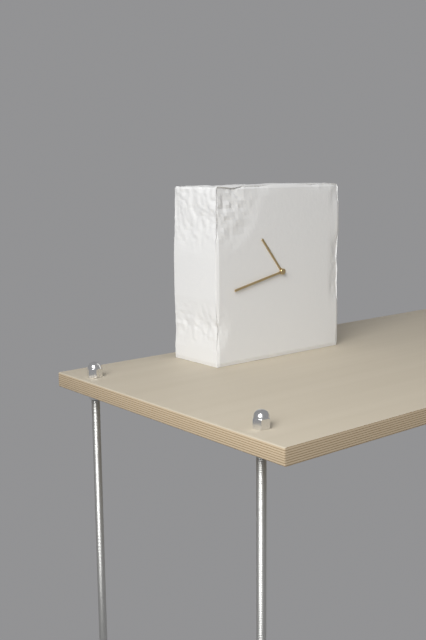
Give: 10:43
